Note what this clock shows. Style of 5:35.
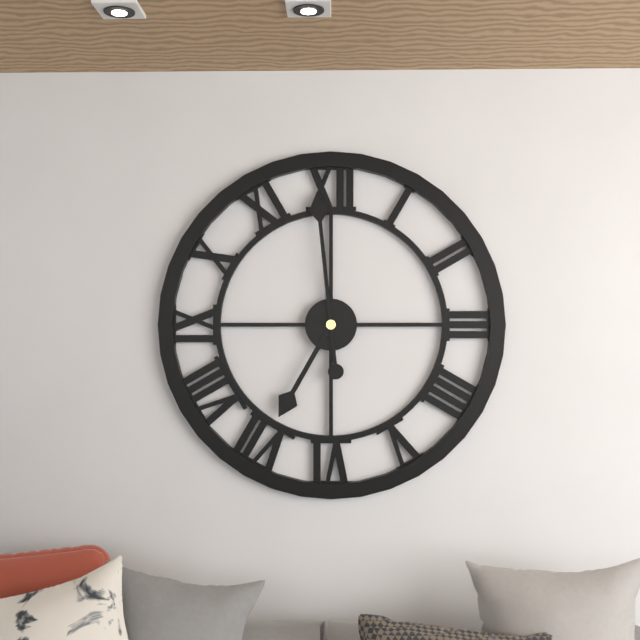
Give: 6:59
